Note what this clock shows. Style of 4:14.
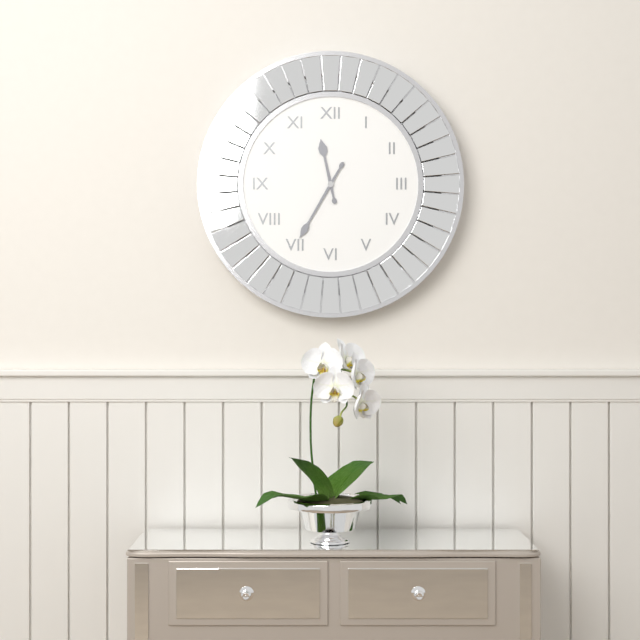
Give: 11:35
